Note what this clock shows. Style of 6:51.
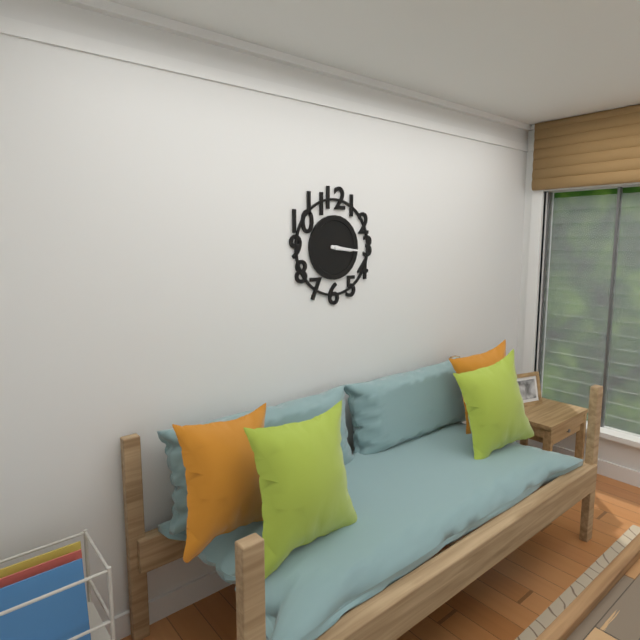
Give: 3:16
